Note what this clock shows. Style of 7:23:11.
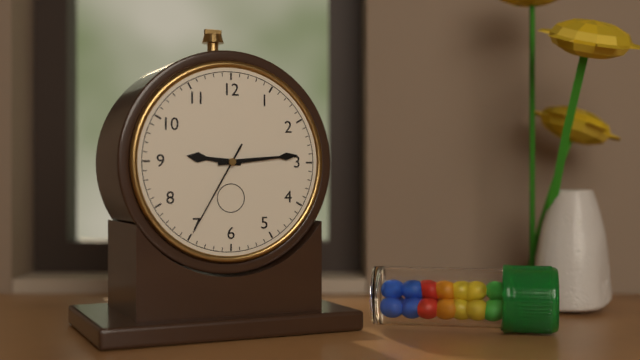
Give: 9:14:35
